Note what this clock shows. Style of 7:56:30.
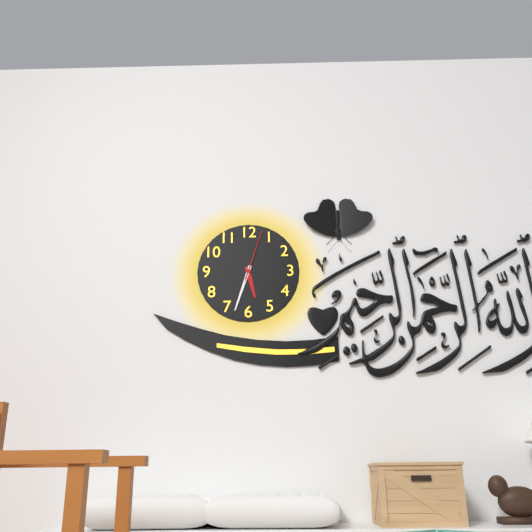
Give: 5:33:03
